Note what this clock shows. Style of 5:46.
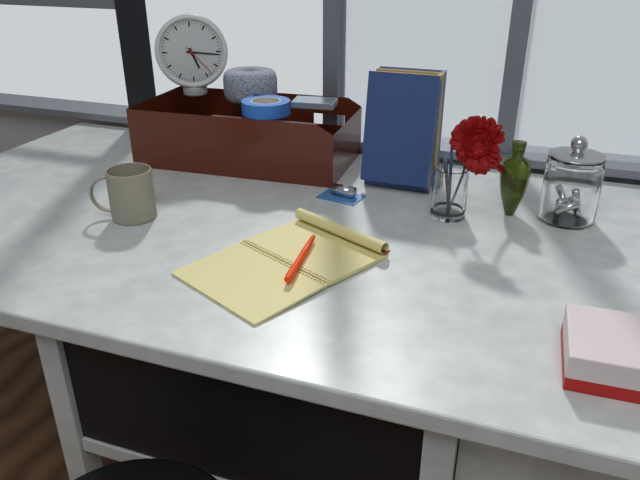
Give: 5:16
